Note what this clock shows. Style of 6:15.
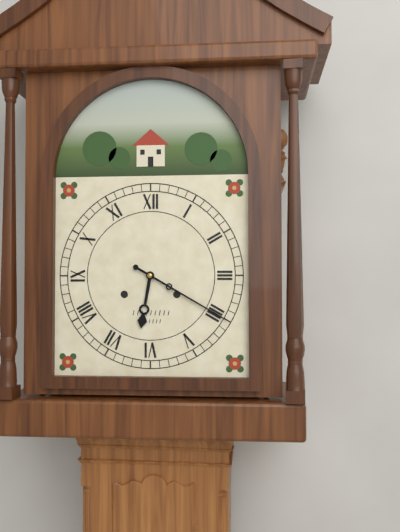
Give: 6:20
